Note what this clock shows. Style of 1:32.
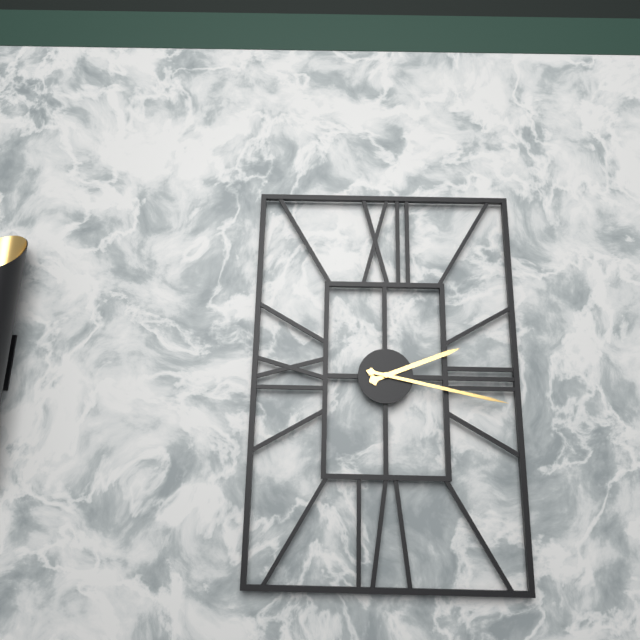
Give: 2:17
